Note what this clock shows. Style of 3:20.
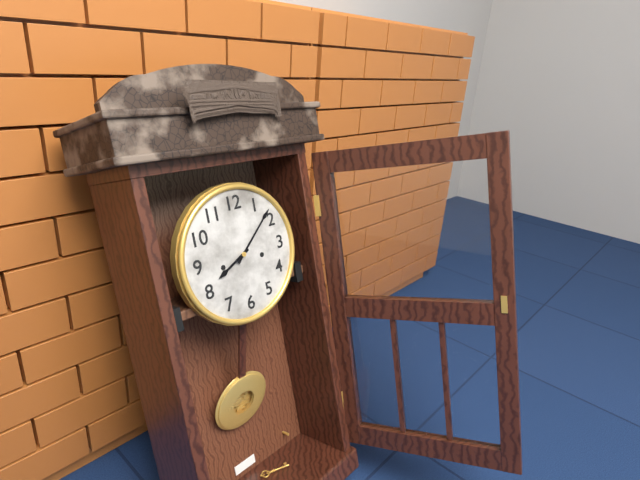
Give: 8:08
